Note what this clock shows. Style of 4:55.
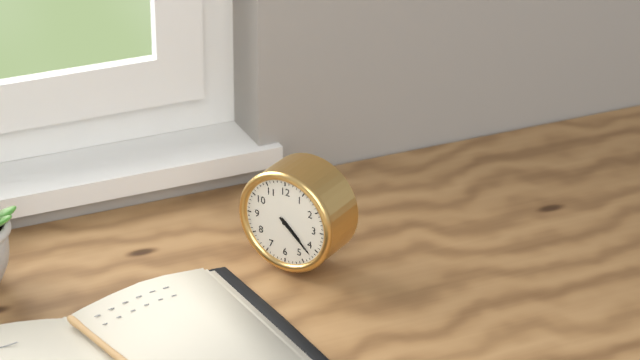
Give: 4:22
